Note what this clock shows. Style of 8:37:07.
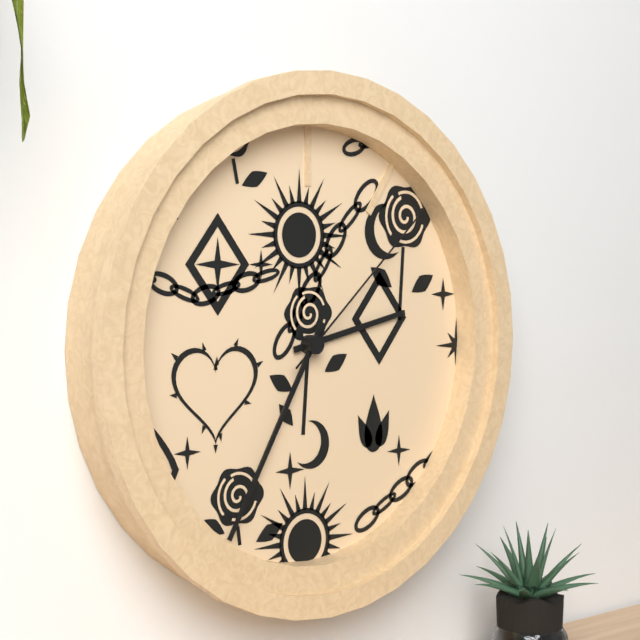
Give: 2:35:08
